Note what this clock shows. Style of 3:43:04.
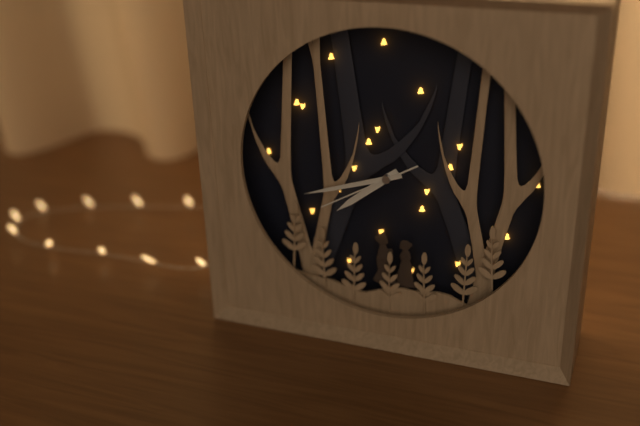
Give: 7:42:40
